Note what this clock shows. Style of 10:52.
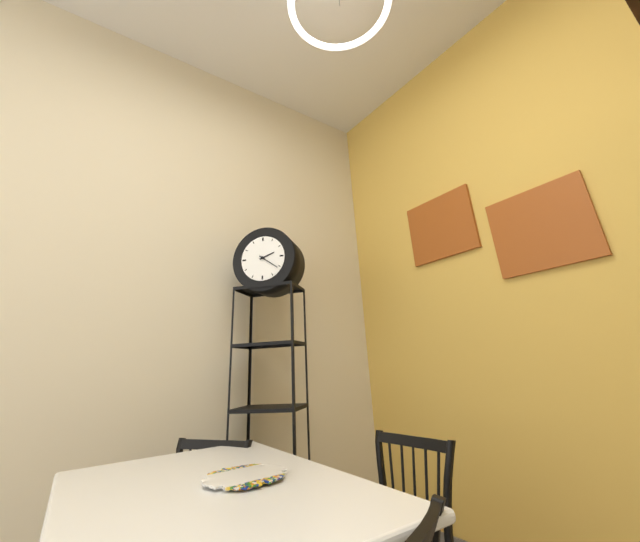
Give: 2:21
